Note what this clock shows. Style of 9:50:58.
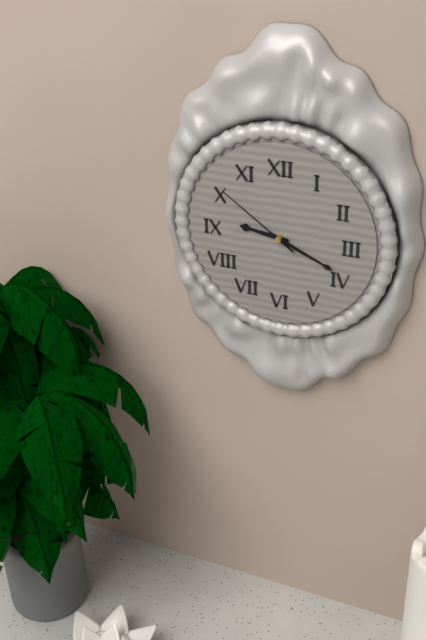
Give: 9:19:51
